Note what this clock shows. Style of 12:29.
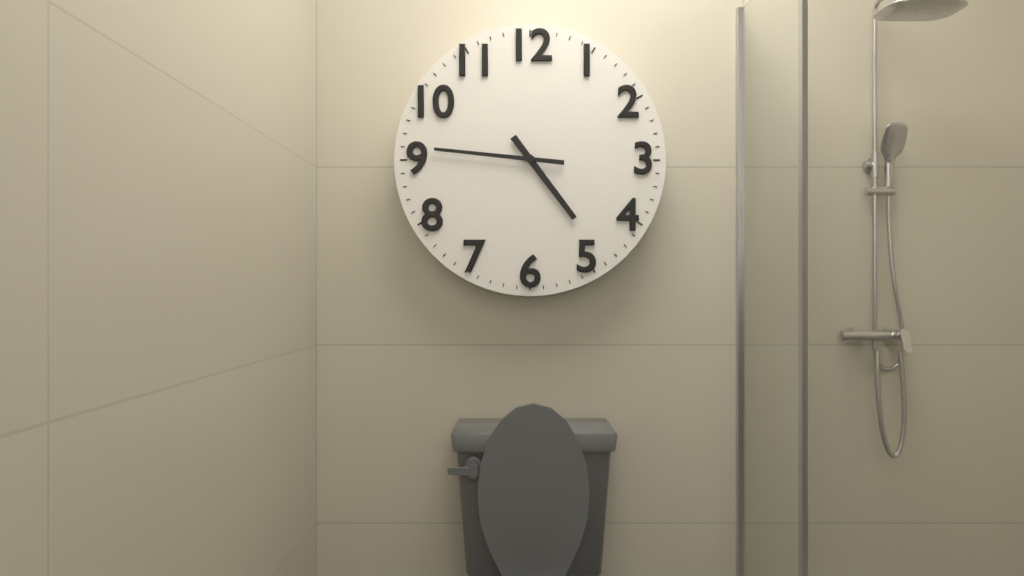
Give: 4:46
